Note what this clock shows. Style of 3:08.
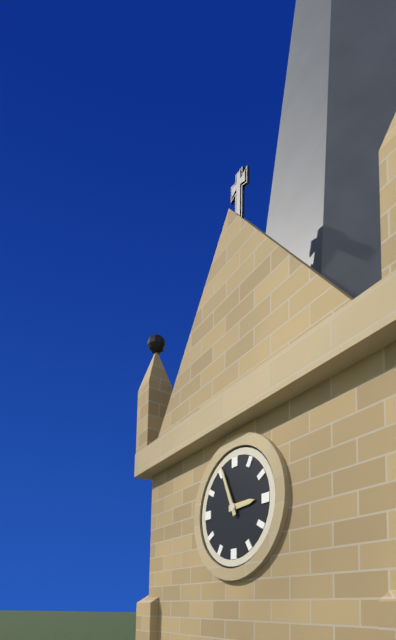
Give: 2:56
